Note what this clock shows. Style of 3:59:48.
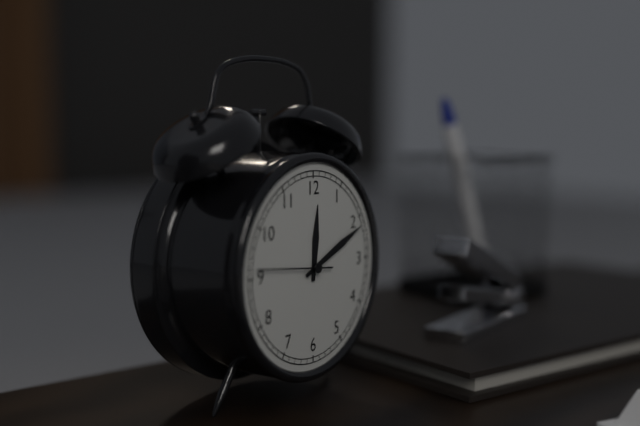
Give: 12:11:46
